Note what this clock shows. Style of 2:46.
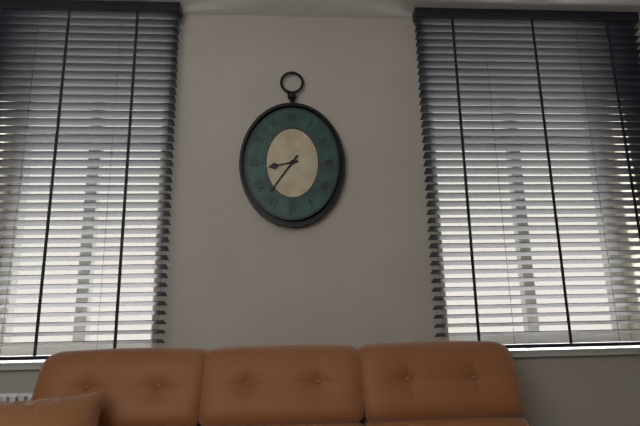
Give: 8:36
